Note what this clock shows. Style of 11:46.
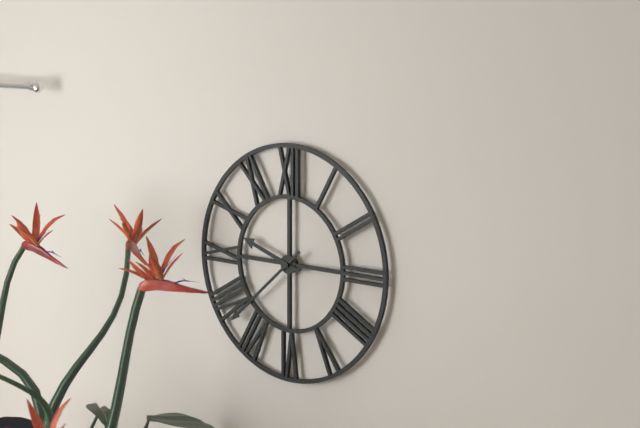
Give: 9:38
